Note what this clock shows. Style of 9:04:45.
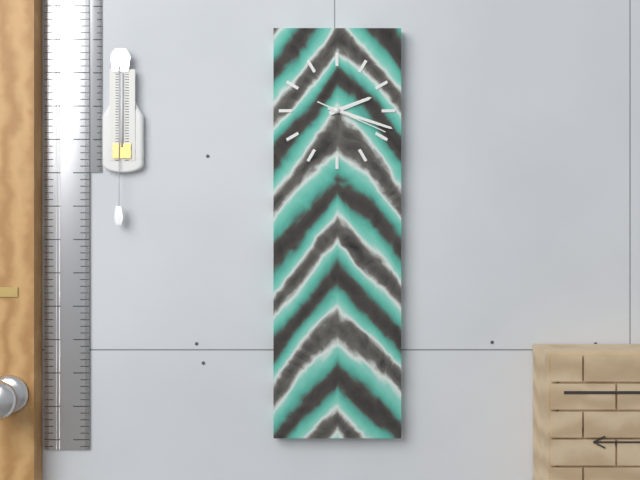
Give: 2:18:19
